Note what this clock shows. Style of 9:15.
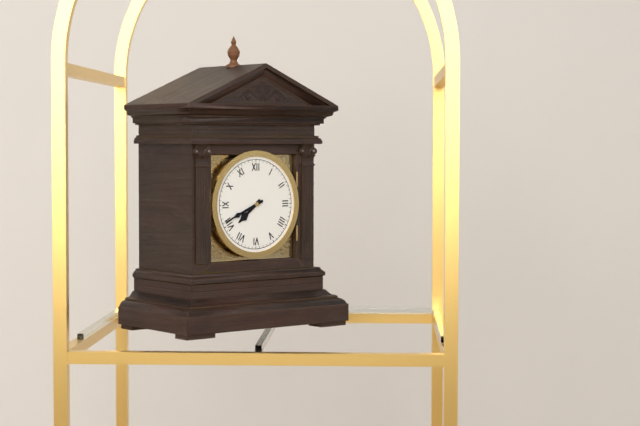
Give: 7:41
